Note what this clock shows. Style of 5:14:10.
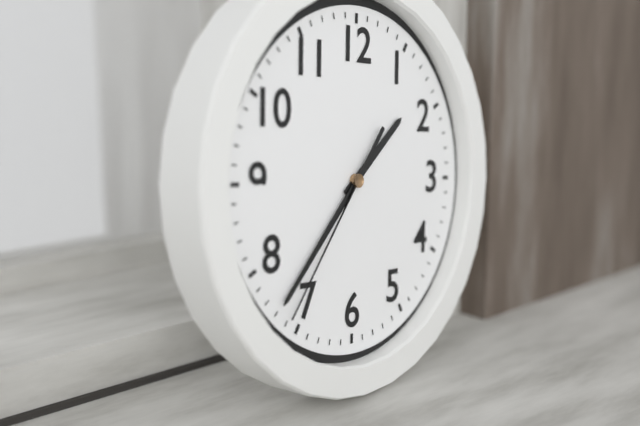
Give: 1:37:36
